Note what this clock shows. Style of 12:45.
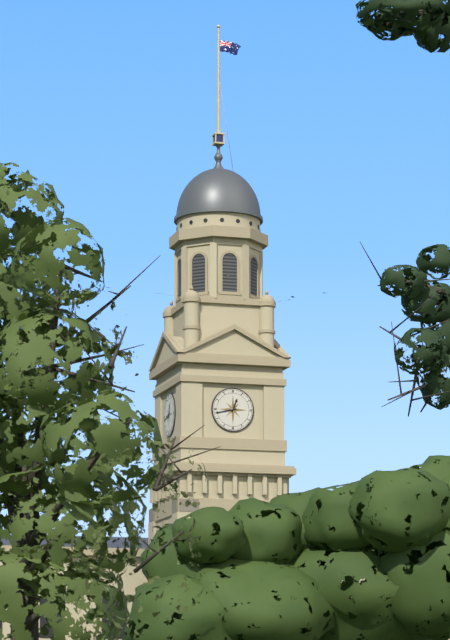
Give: 12:43
